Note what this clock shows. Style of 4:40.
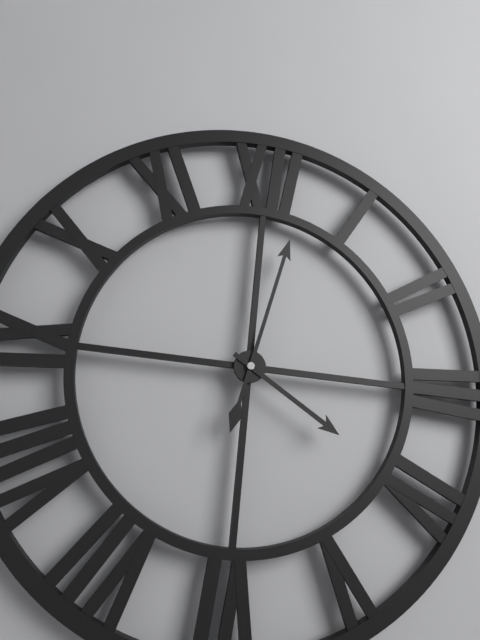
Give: 4:02
